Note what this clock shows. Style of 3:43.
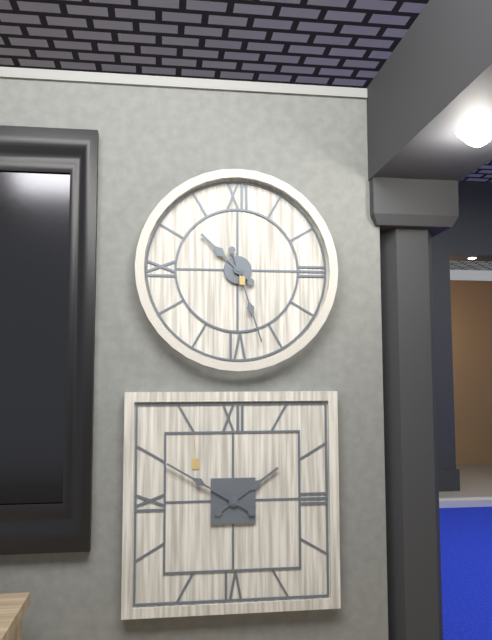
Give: 10:27
